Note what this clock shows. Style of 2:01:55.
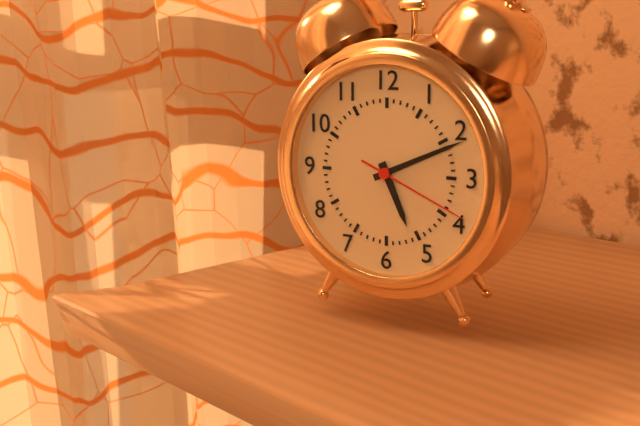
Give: 5:11:19
